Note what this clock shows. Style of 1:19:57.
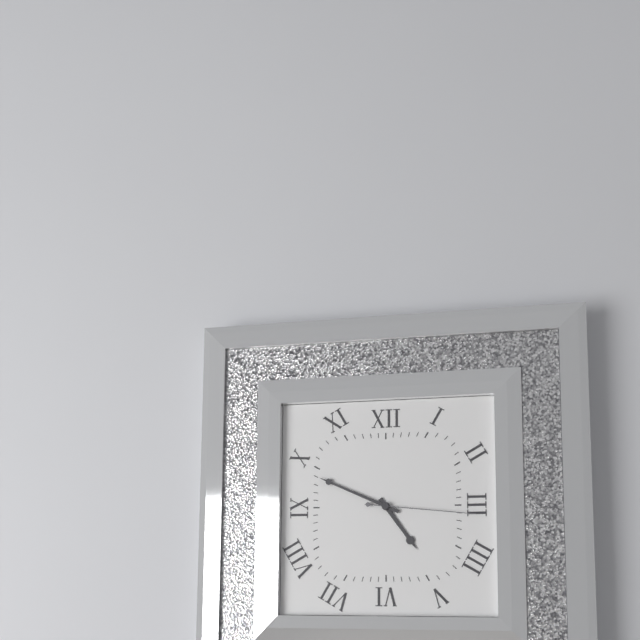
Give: 4:49:16
